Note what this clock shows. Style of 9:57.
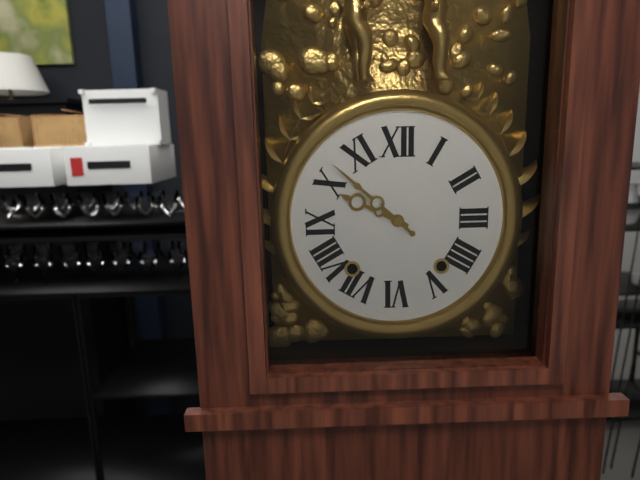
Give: 9:52
